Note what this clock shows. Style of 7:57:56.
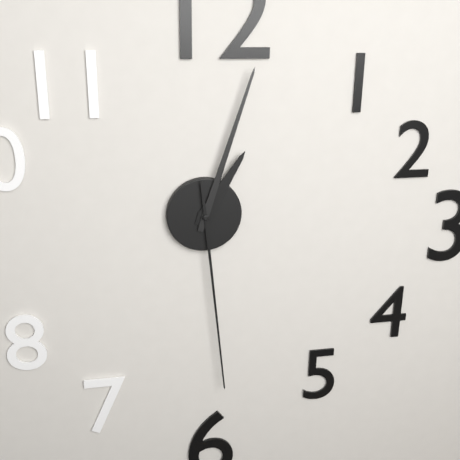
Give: 1:03:29
